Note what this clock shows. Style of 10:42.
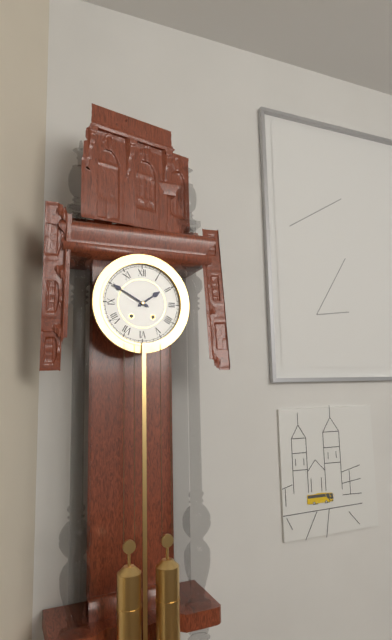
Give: 1:50
